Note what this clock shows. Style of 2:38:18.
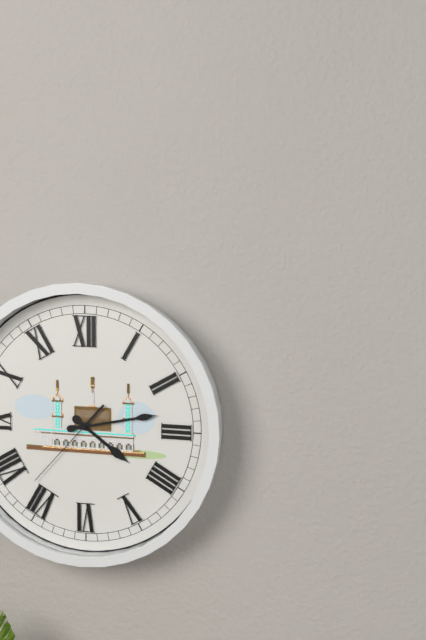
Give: 4:13:37
